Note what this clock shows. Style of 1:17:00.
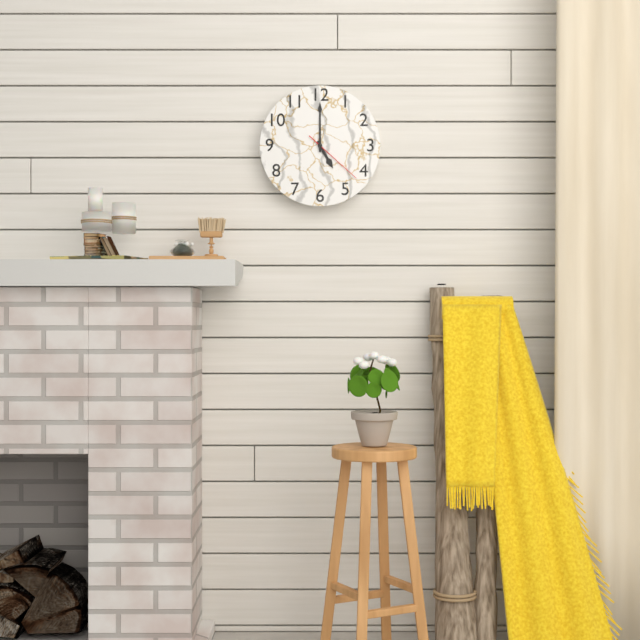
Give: 5:00:22
